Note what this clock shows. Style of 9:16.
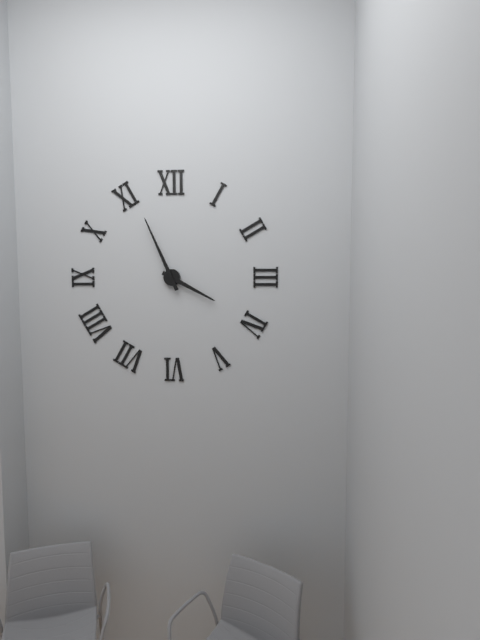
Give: 3:56
